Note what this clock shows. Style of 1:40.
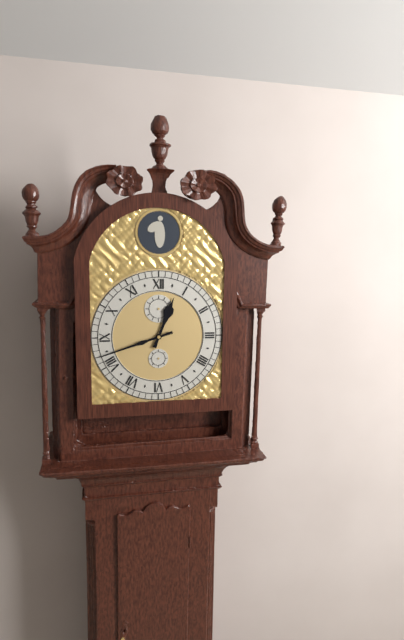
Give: 12:42
